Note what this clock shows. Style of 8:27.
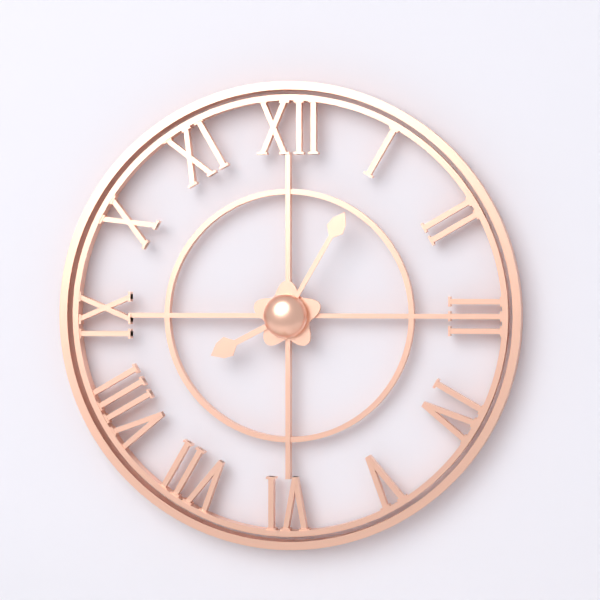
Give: 8:05
